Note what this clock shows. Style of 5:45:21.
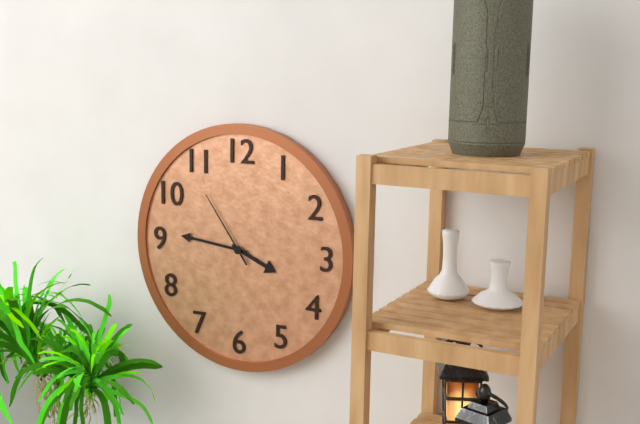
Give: 3:46:54
